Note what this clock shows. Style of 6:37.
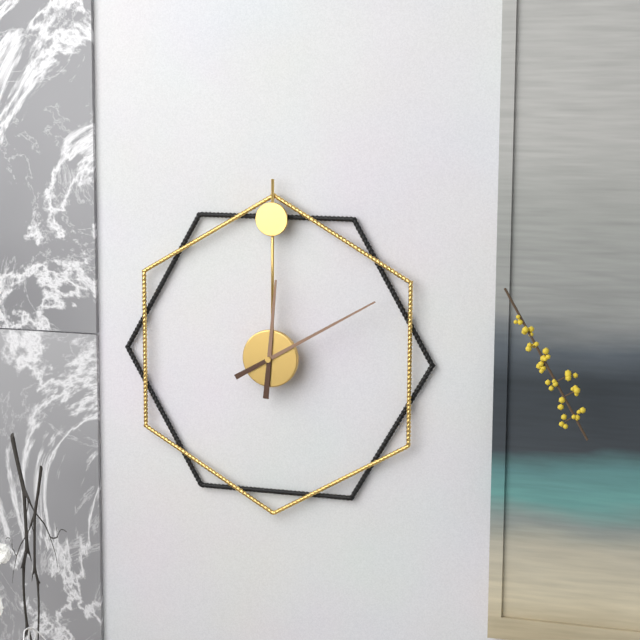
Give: 12:10
